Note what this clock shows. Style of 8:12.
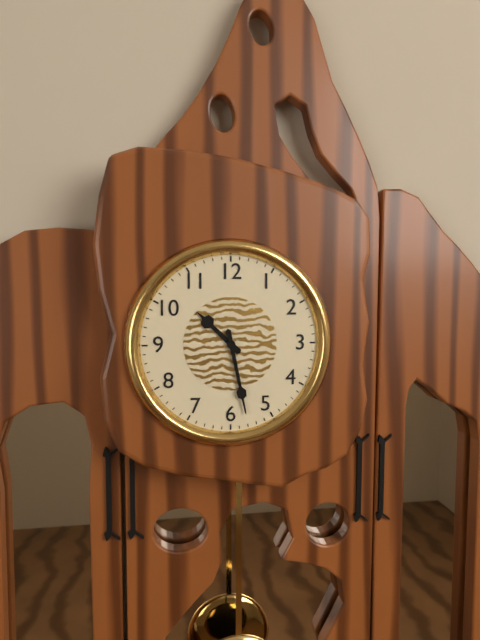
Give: 10:28
